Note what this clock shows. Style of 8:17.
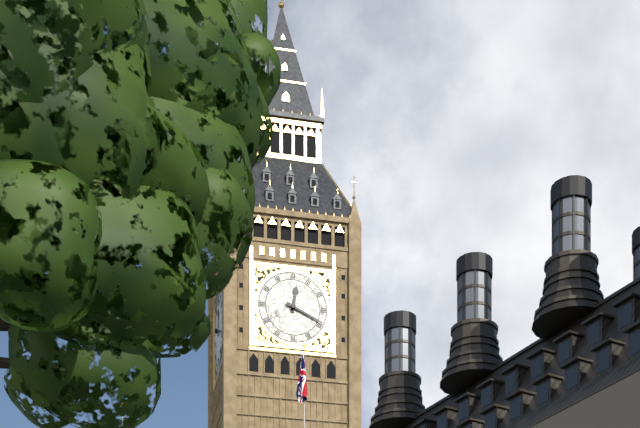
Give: 12:19
